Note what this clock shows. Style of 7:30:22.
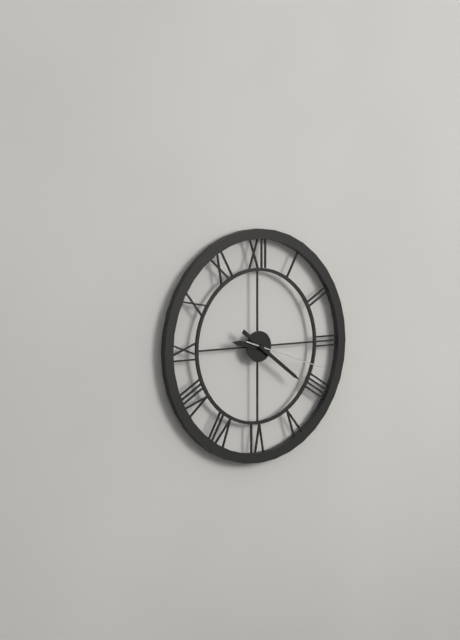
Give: 9:21:18
